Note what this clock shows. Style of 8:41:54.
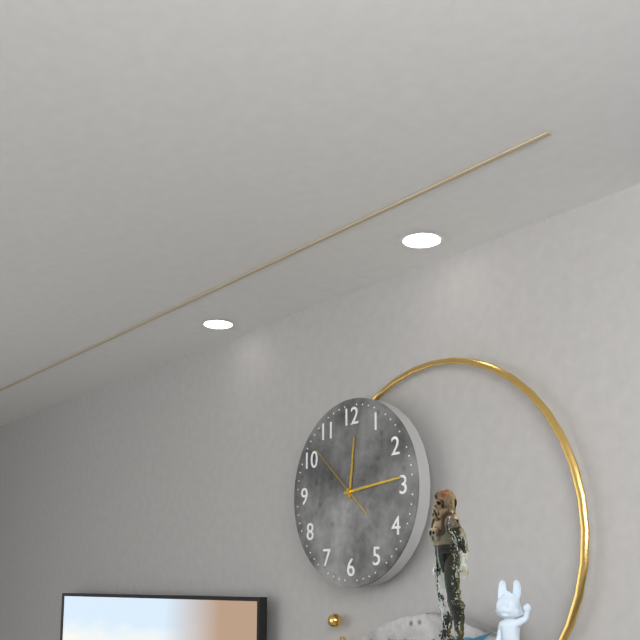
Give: 12:14:52
